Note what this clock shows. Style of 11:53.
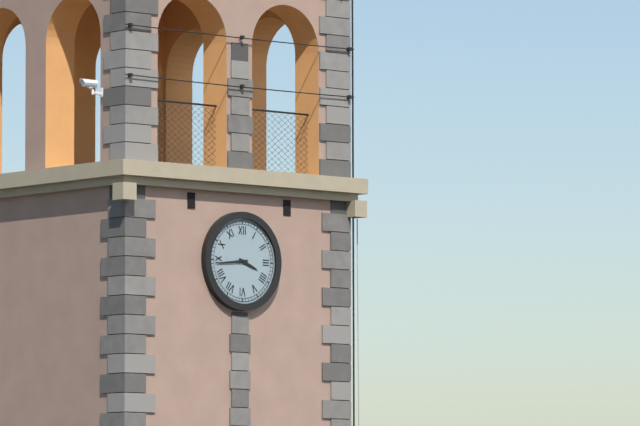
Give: 3:44
